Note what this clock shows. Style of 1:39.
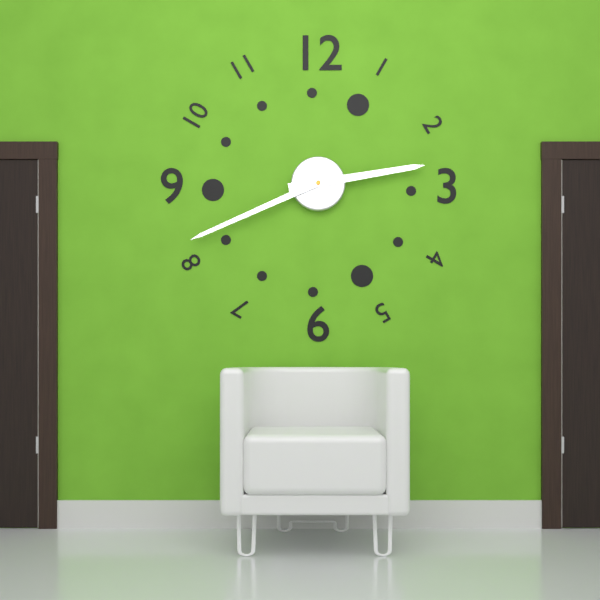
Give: 2:41
